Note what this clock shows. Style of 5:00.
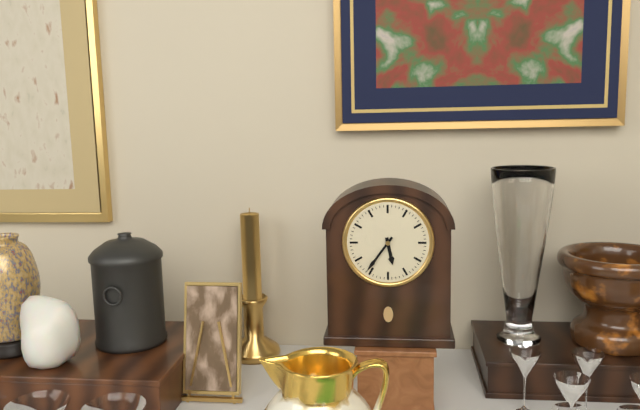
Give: 5:36
